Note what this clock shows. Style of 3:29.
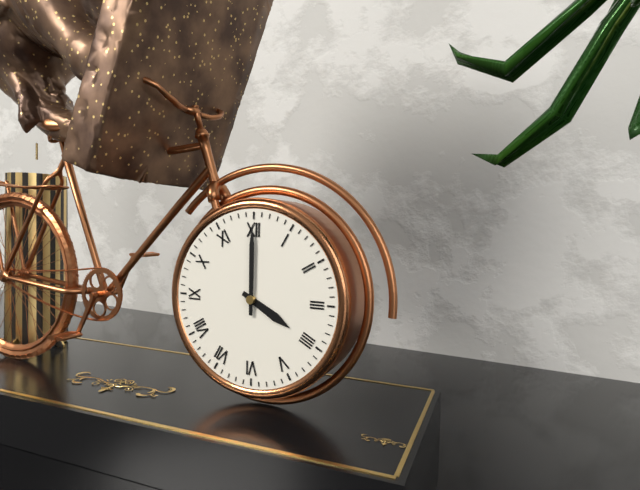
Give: 4:00
